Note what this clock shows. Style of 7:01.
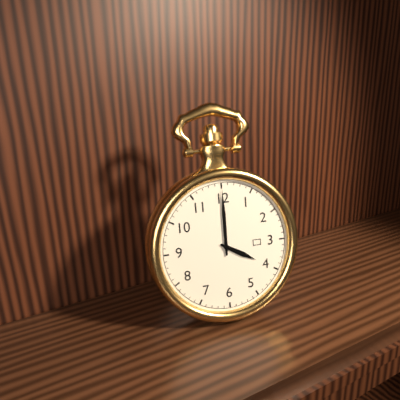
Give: 4:00
